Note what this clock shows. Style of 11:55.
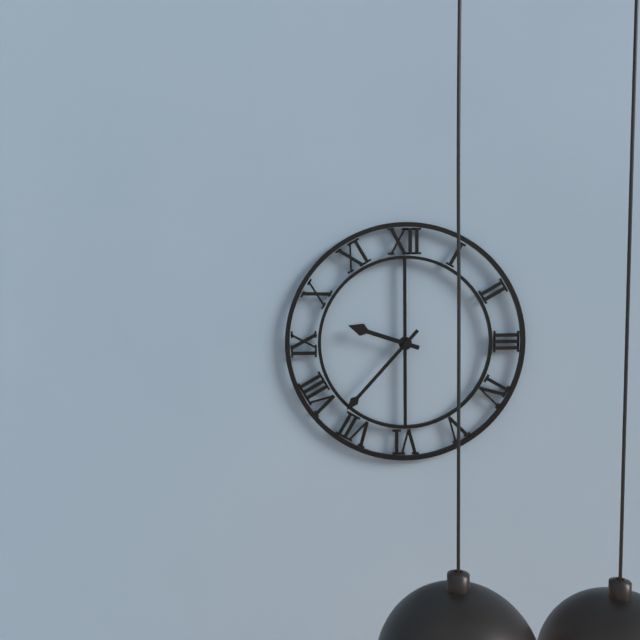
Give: 9:37
